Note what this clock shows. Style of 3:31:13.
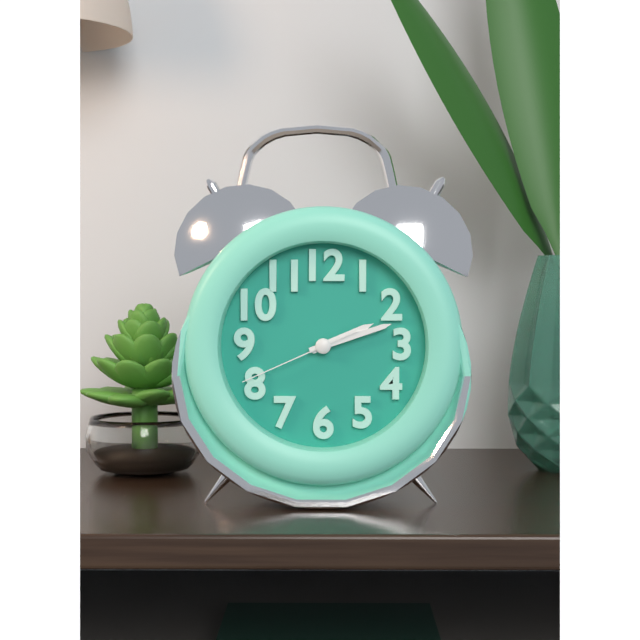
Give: 2:12:41
